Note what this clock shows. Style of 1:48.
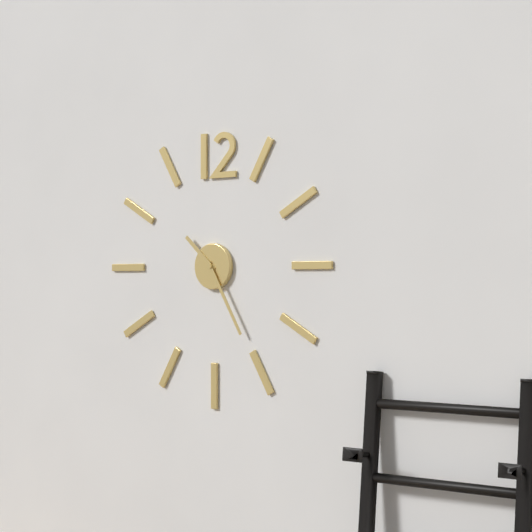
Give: 10:25
